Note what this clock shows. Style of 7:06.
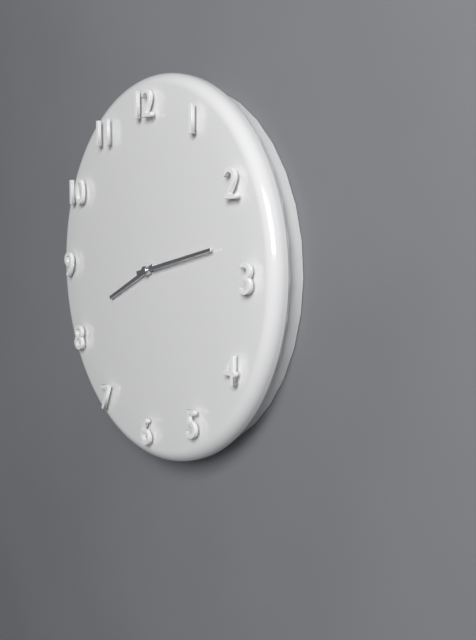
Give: 8:13
